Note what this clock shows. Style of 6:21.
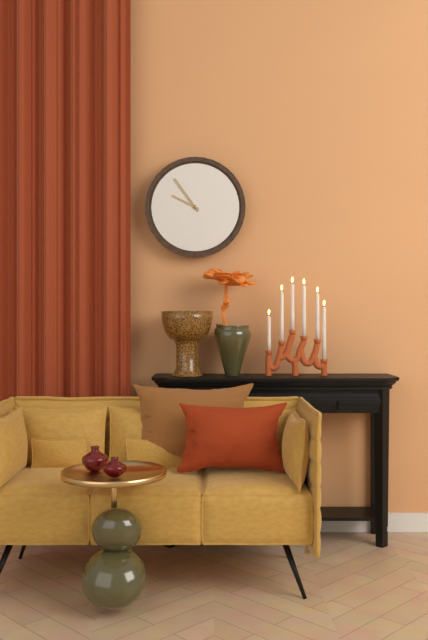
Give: 9:54
